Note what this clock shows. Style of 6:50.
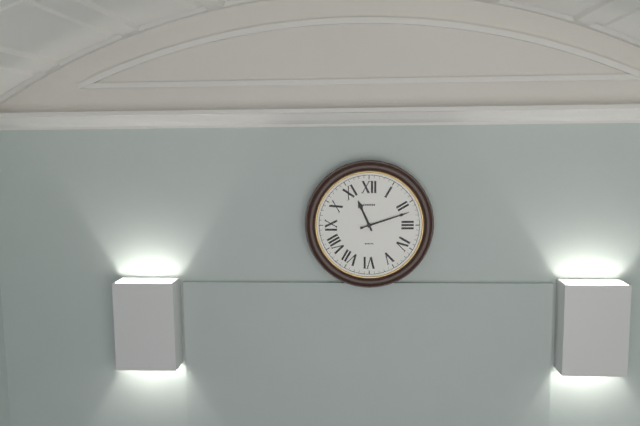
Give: 11:12
